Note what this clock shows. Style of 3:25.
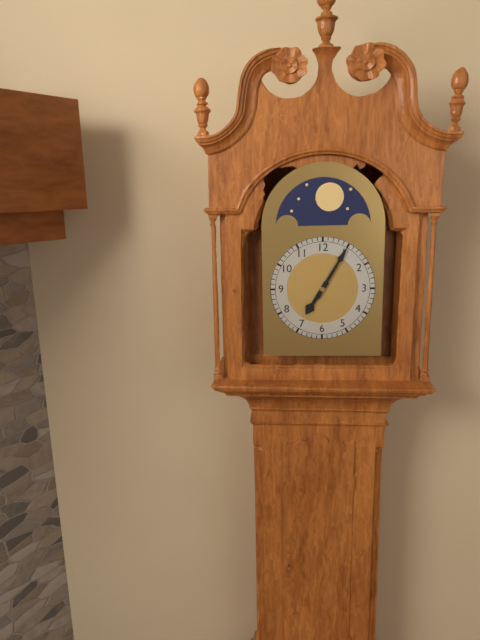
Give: 7:05
